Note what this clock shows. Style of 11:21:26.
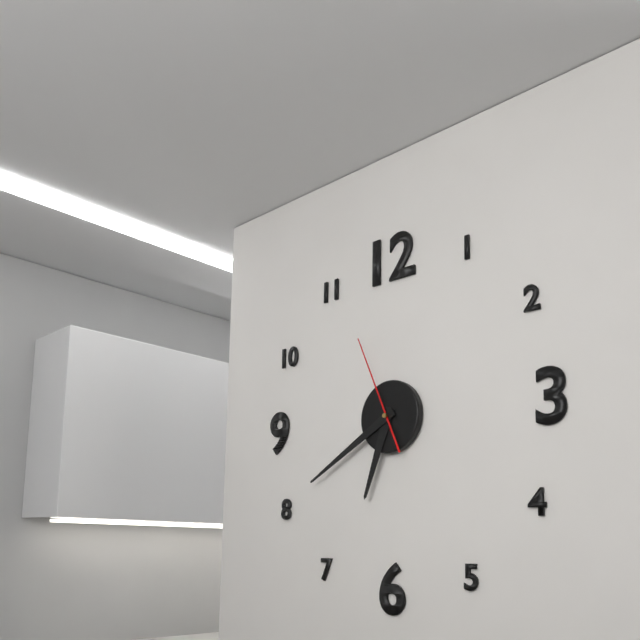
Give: 6:40:56
